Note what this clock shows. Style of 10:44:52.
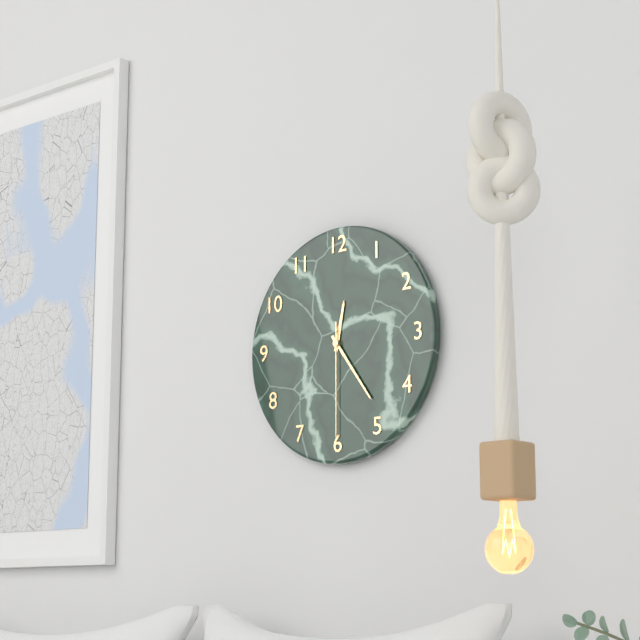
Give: 12:24:30
